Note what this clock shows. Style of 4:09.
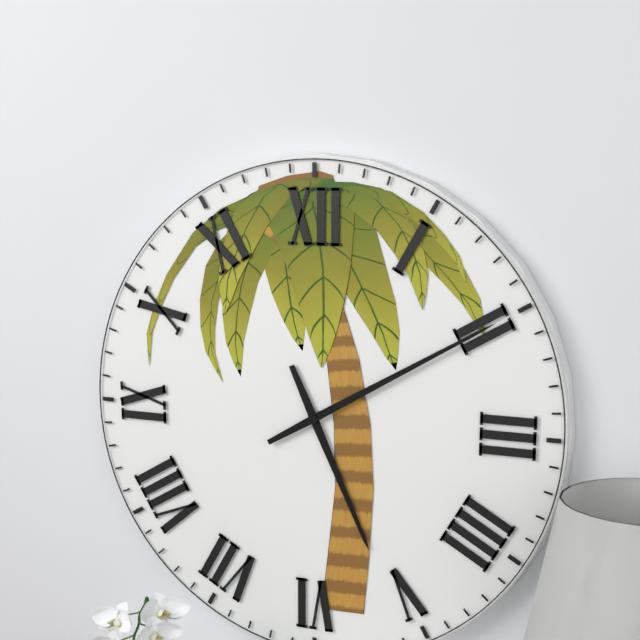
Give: 5:10
